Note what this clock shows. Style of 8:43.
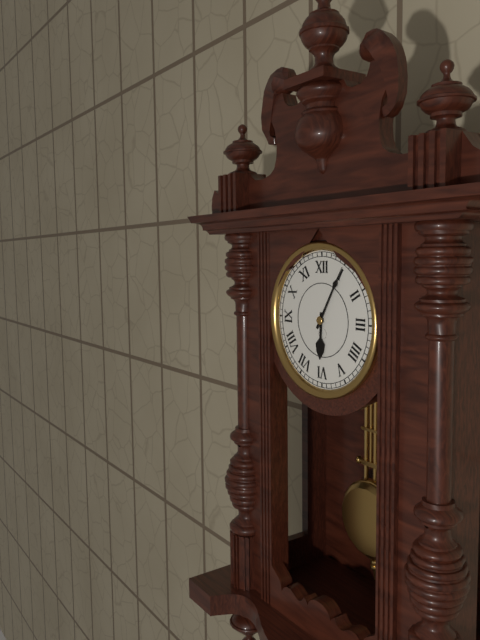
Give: 6:05
